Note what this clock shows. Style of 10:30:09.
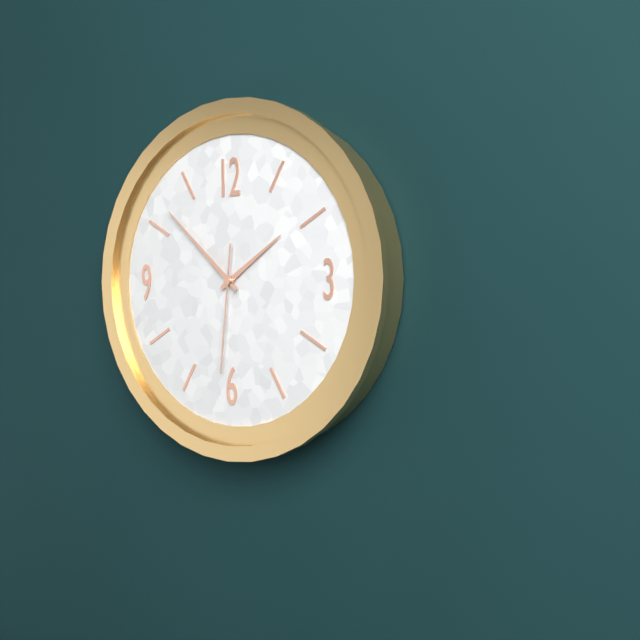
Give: 1:52:31
